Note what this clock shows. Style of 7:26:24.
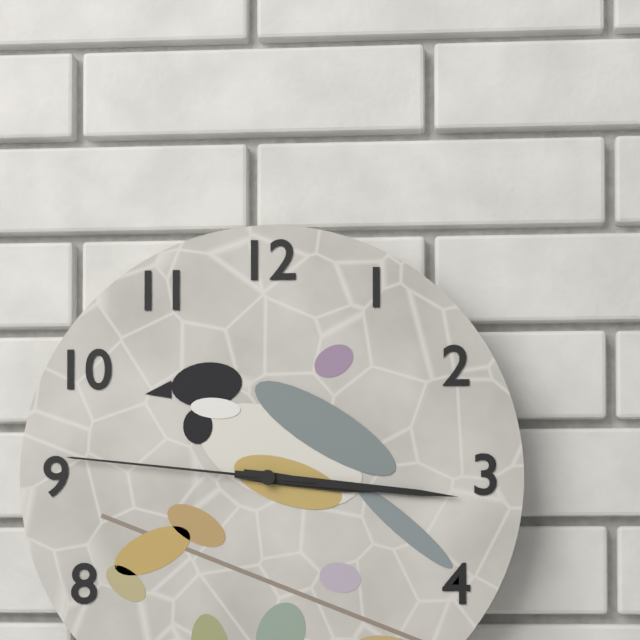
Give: 3:16:46
